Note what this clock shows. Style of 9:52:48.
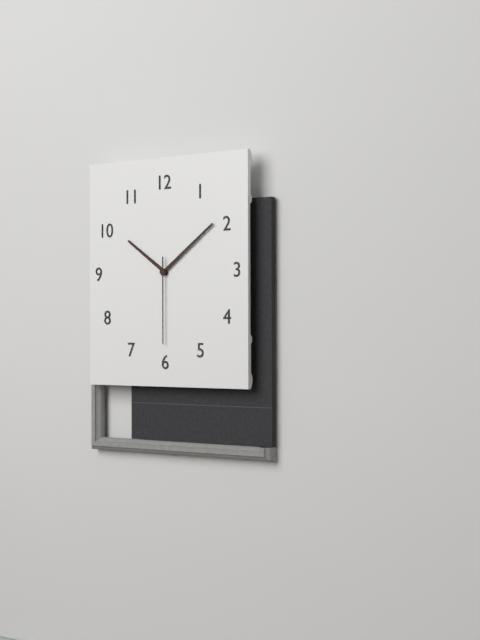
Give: 10:09:30
